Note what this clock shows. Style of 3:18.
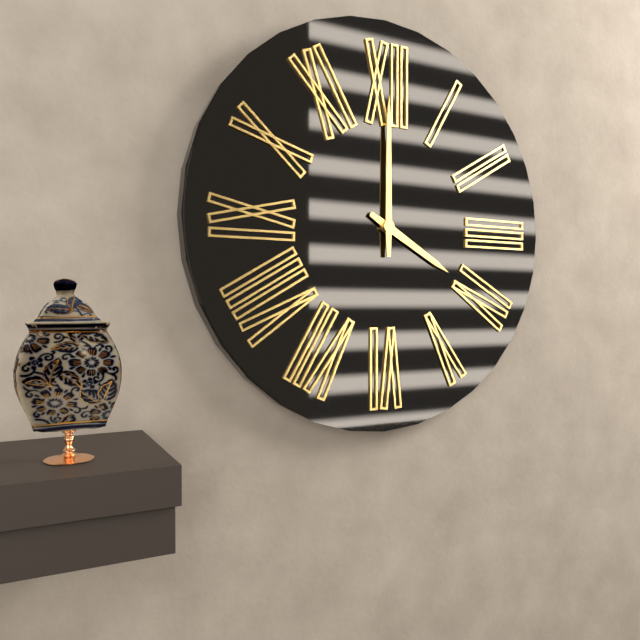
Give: 4:00
